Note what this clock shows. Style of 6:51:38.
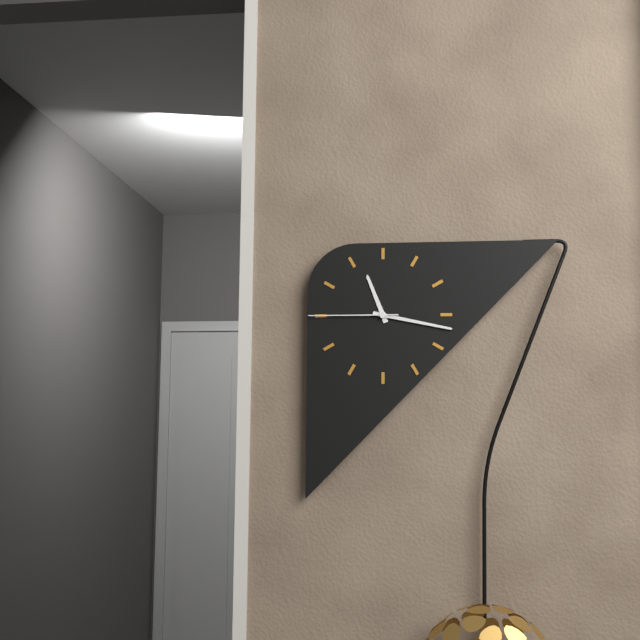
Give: 11:17:45
